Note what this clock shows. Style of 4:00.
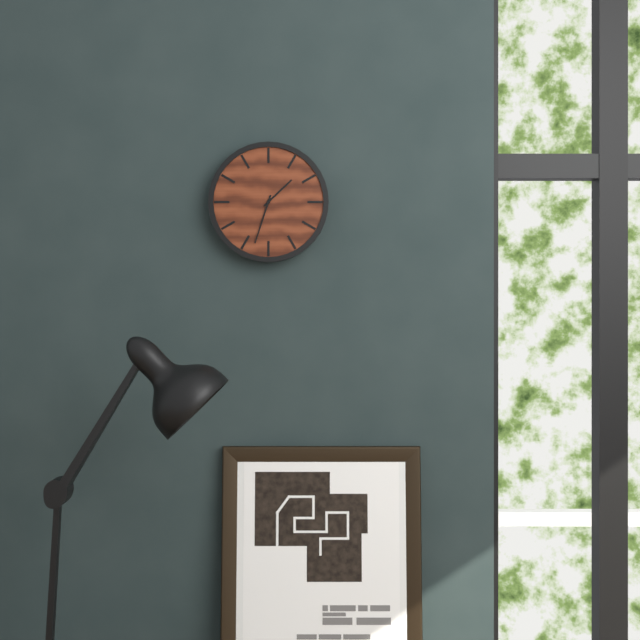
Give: 1:33
